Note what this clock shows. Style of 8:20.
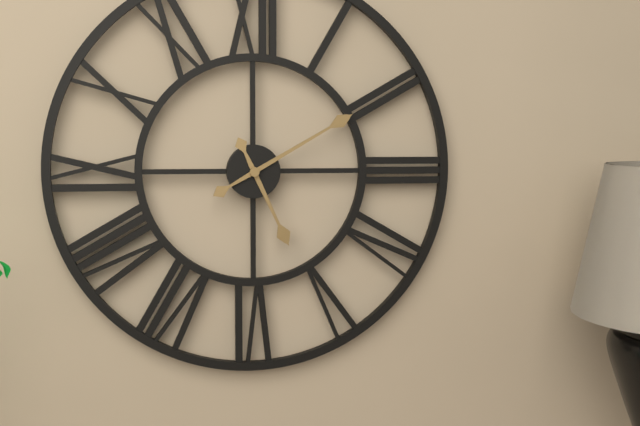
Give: 5:10
